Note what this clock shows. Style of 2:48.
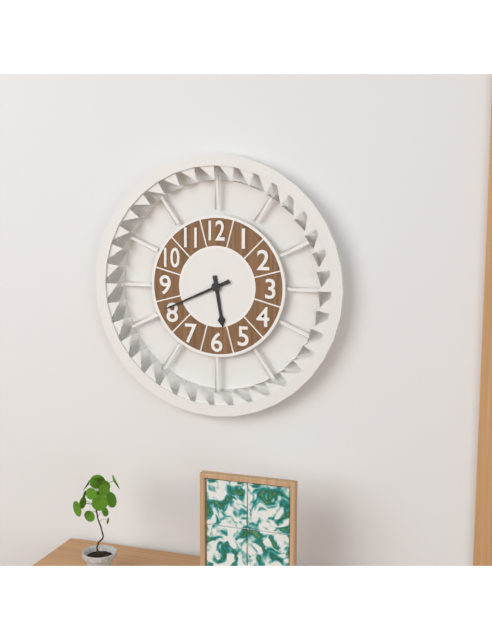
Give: 5:41
